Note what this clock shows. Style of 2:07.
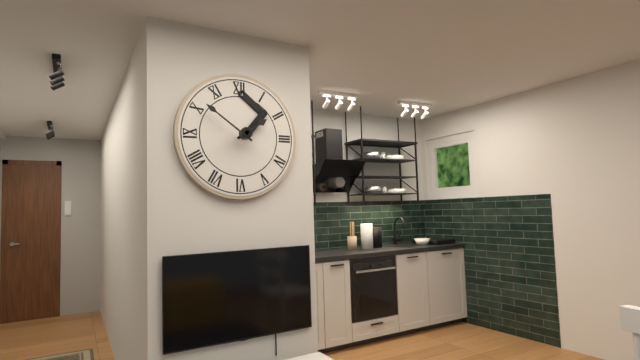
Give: 1:51
